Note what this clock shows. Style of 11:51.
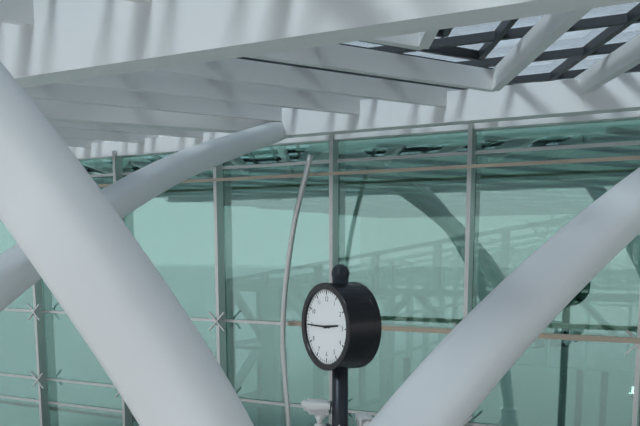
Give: 2:45
